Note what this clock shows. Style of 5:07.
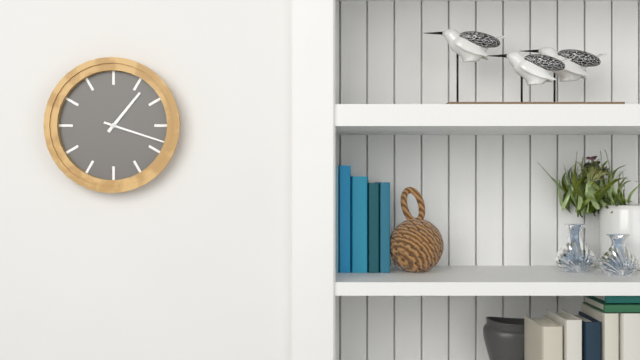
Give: 1:18
